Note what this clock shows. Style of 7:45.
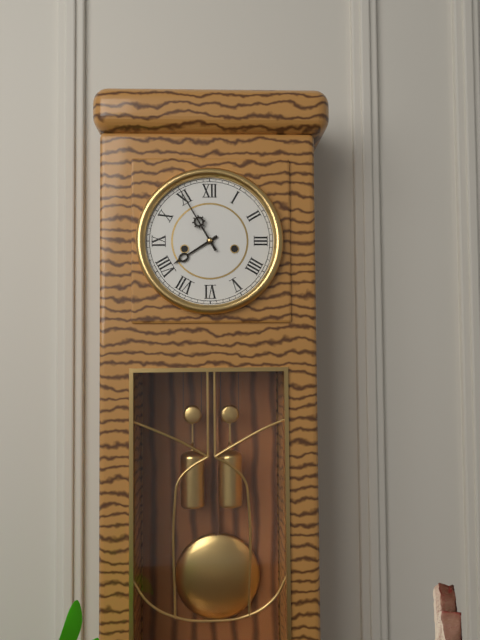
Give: 7:55
